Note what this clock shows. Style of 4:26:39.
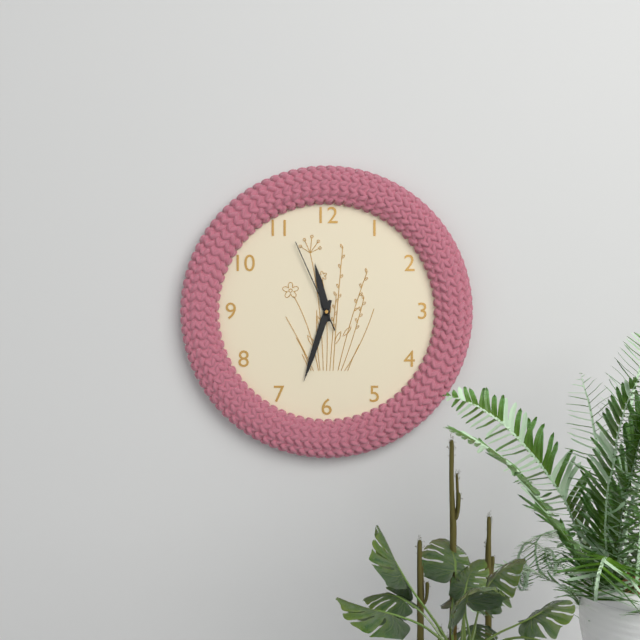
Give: 11:33:56
